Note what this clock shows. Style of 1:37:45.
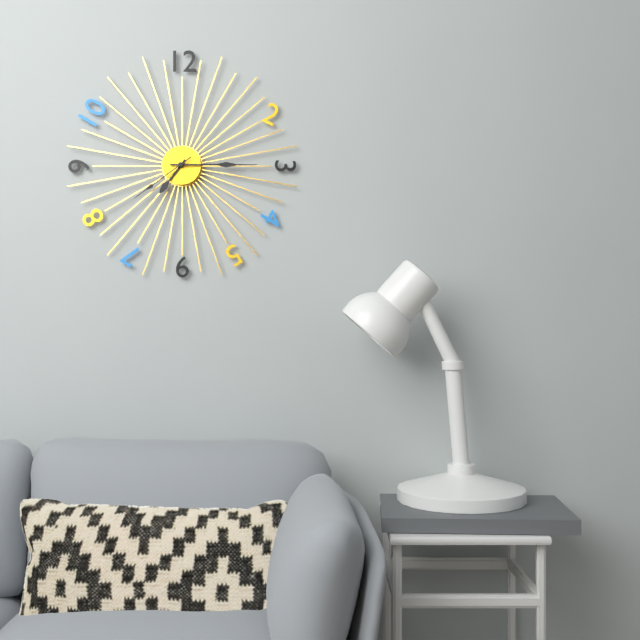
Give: 7:15:39
